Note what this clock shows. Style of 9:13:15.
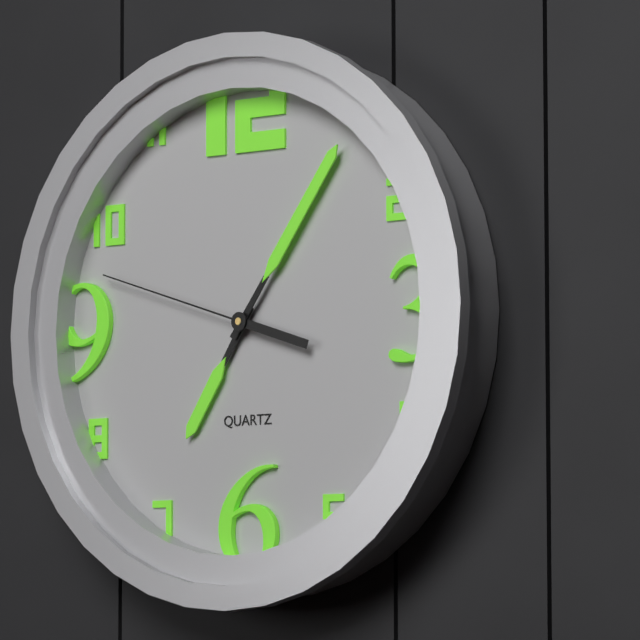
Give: 7:06:48
